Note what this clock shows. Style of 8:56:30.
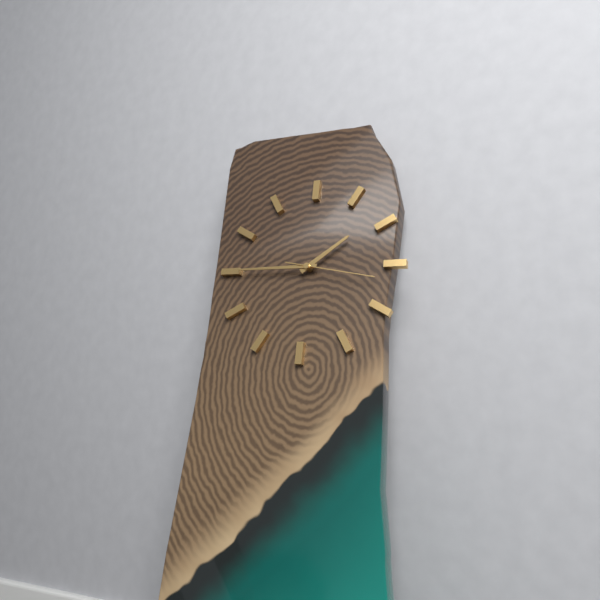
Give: 1:45:17
